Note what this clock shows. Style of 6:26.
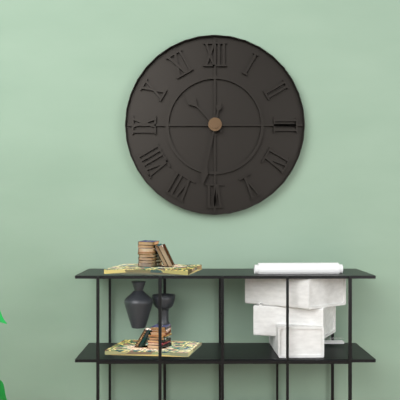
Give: 10:32
